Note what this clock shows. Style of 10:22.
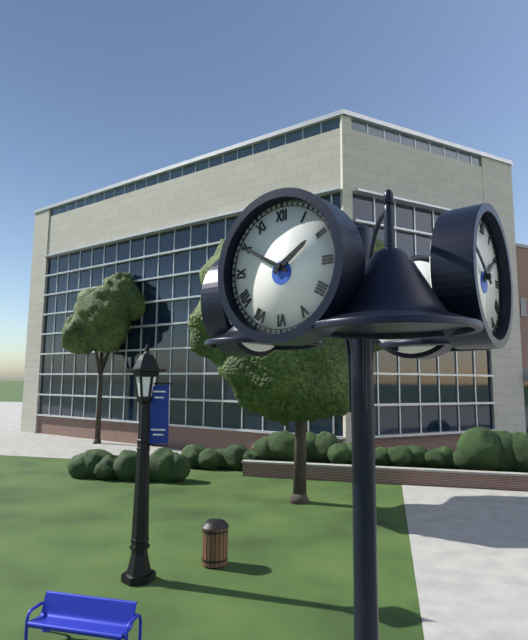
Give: 1:50
